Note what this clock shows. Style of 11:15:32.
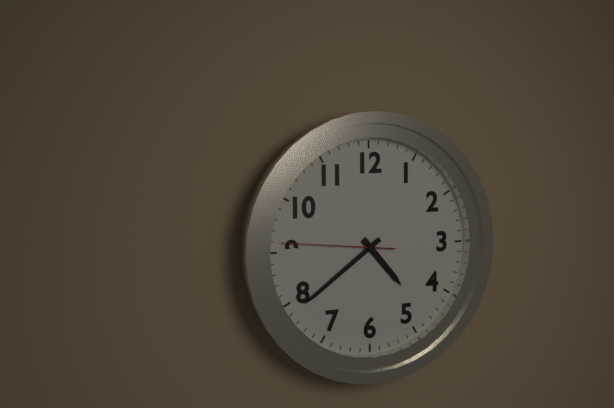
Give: 4:39:46
